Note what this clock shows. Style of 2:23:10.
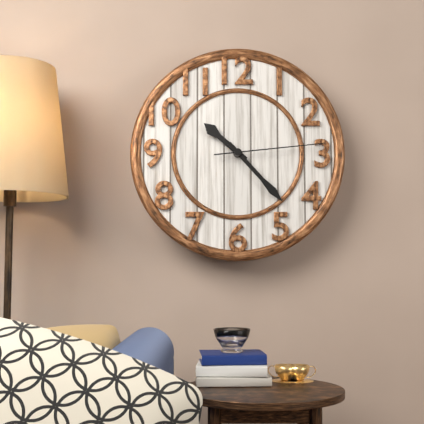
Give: 10:23:14
